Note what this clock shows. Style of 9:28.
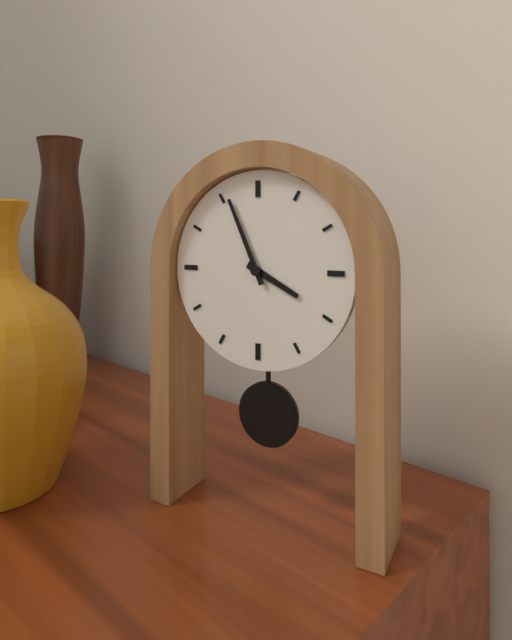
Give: 3:56
